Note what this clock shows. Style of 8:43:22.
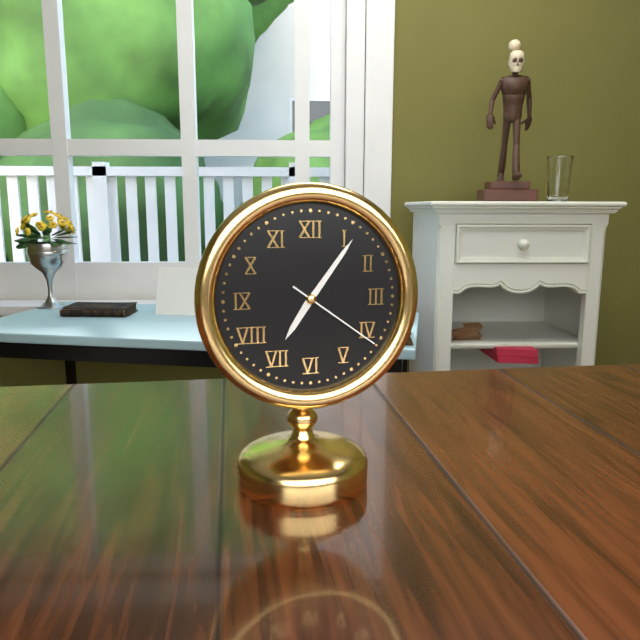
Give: 7:06:21
